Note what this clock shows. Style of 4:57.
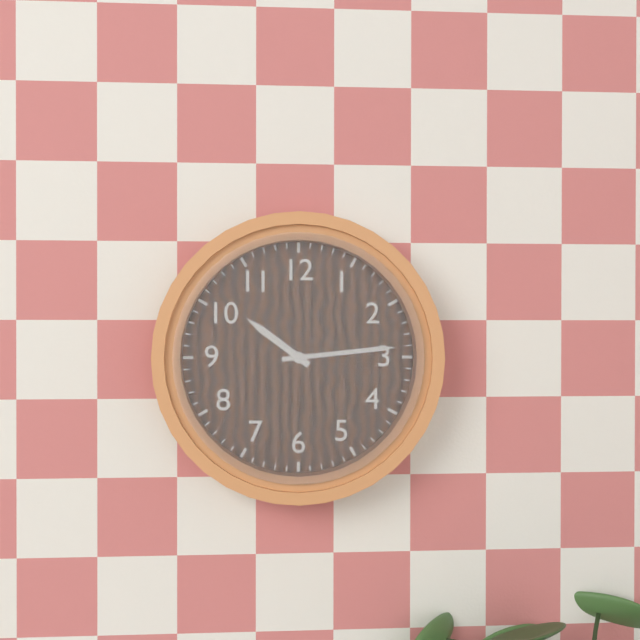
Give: 10:14
